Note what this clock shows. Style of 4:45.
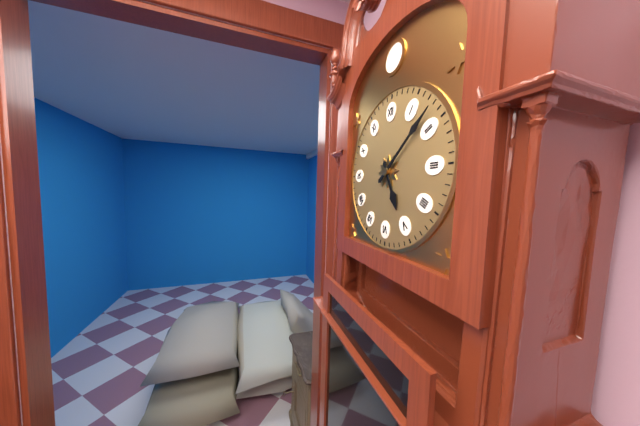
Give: 5:08
